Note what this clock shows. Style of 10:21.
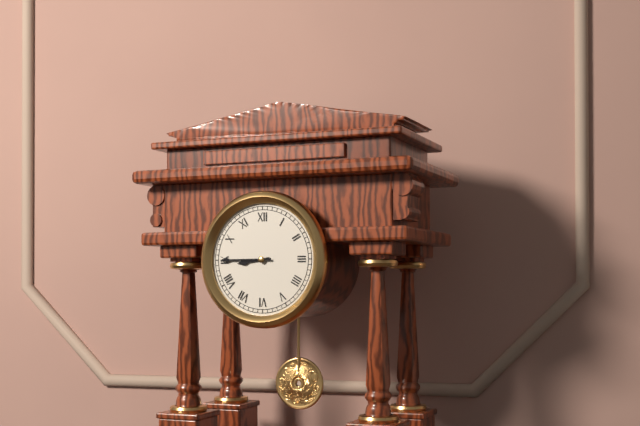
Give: 8:45
